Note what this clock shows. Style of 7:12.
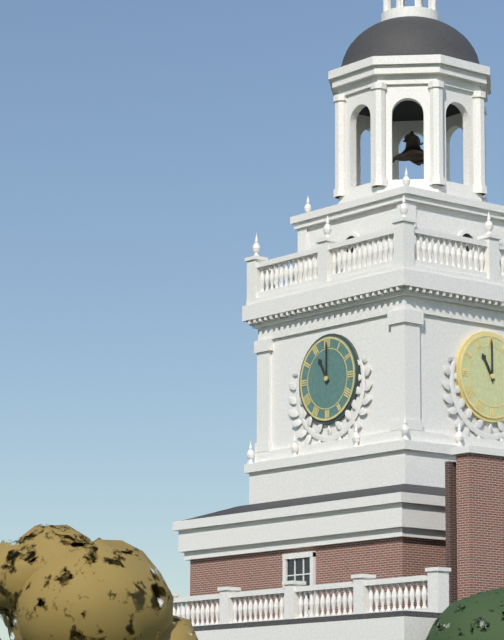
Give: 11:00
